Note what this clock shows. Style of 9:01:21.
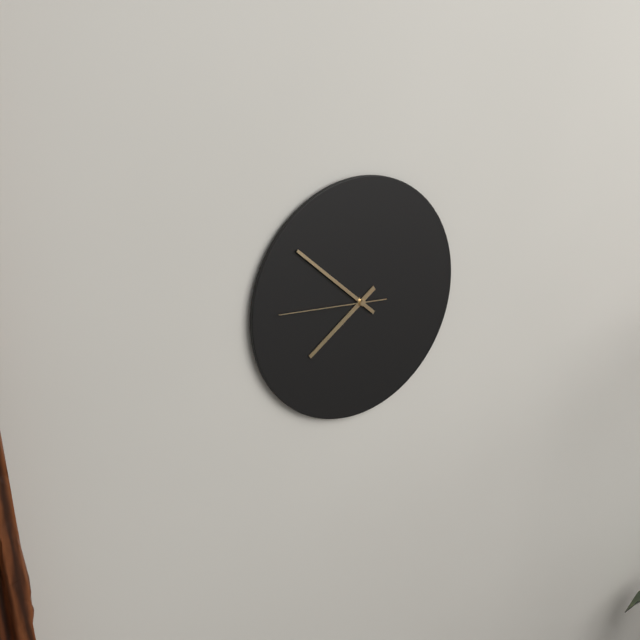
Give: 7:52:46
